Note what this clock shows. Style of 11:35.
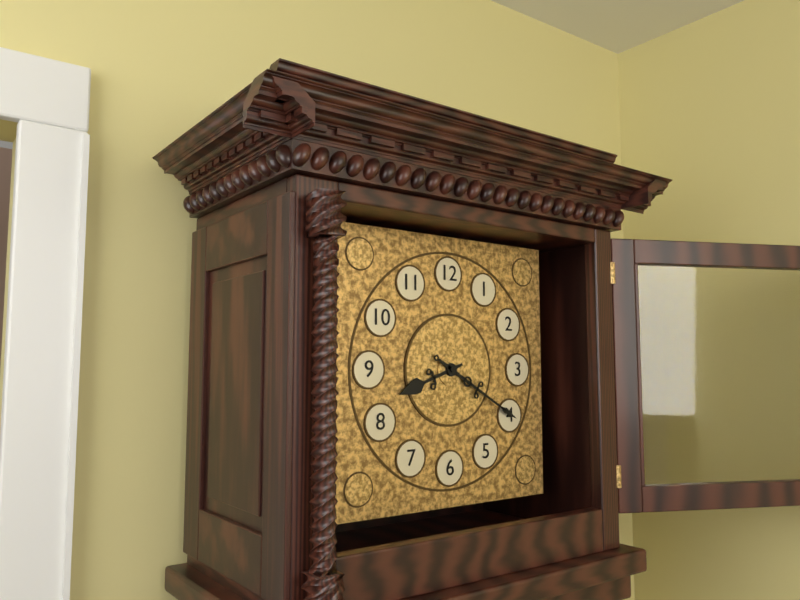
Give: 8:20
